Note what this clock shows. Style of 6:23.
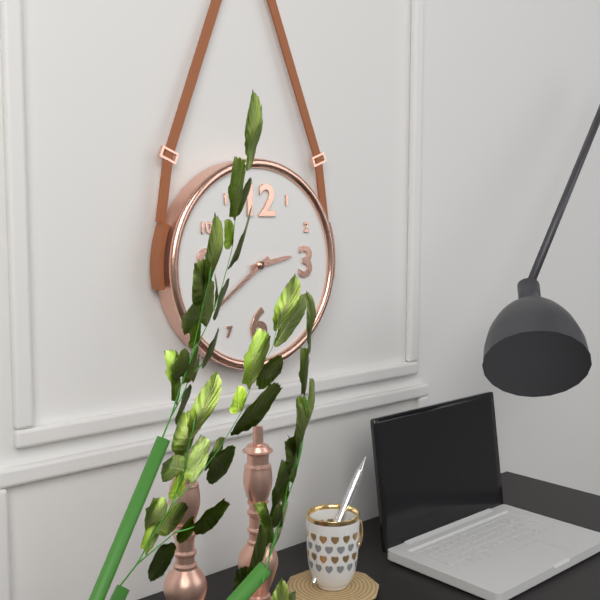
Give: 2:39
